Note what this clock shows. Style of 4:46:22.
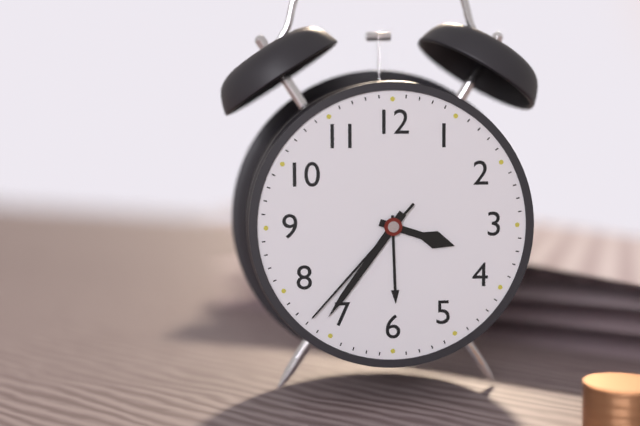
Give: 3:36:37
